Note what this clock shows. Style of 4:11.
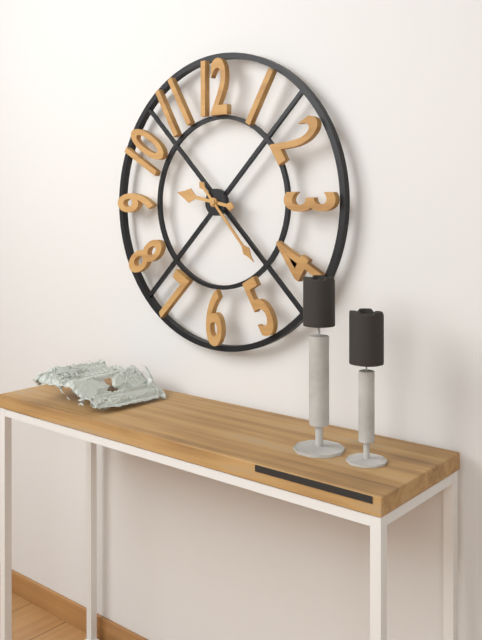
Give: 9:23
